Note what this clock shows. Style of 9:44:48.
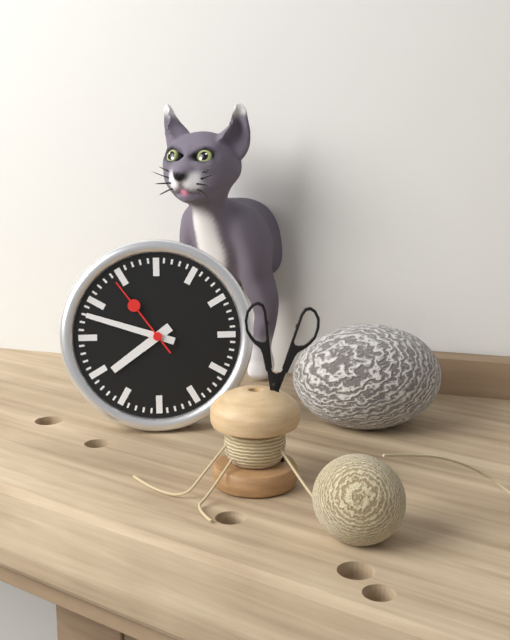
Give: 7:48:54
